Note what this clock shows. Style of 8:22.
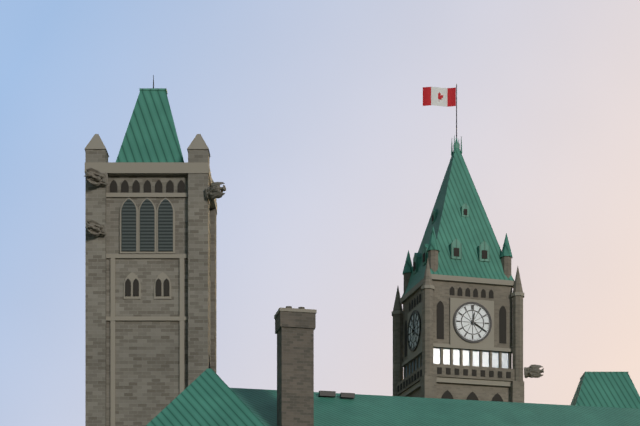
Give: 12:20
